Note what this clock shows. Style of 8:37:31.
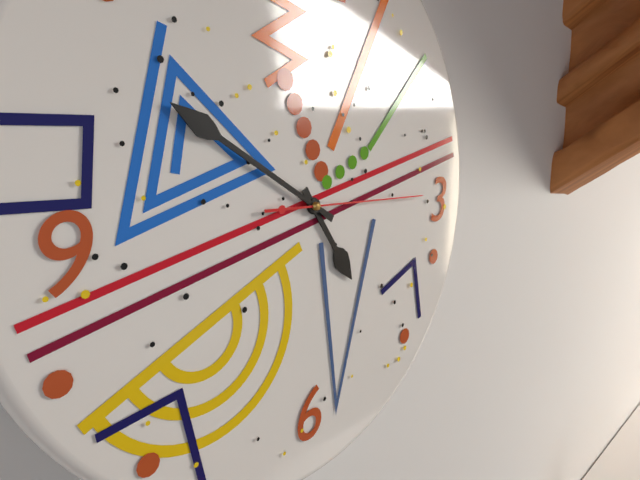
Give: 4:50:15
